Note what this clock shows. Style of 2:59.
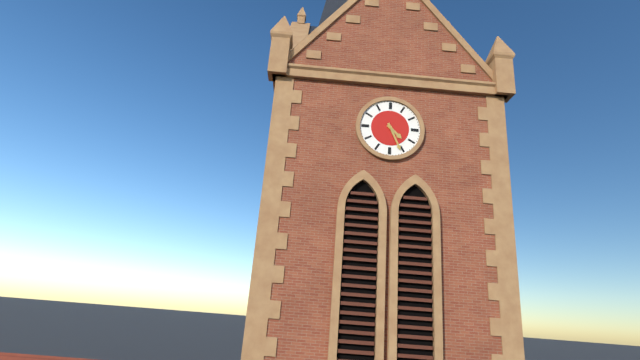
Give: 4:26
